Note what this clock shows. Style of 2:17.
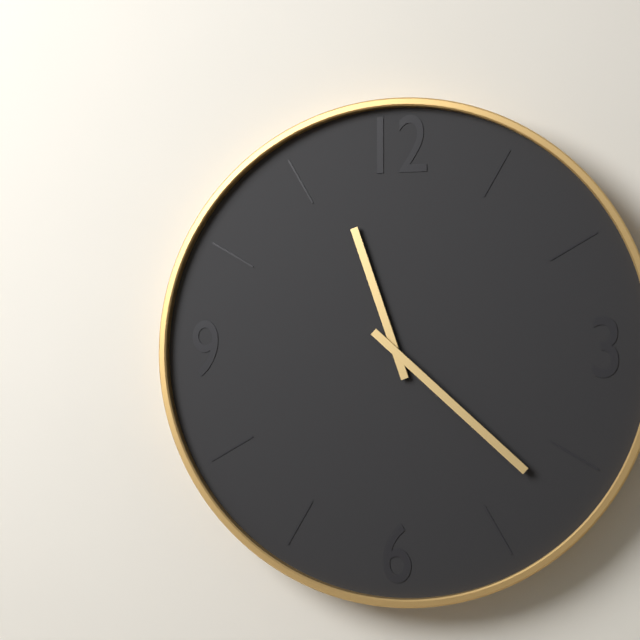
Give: 11:22
